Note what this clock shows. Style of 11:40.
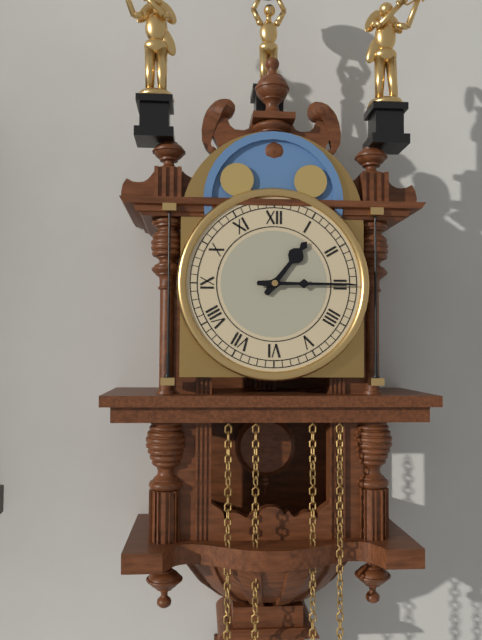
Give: 1:15
